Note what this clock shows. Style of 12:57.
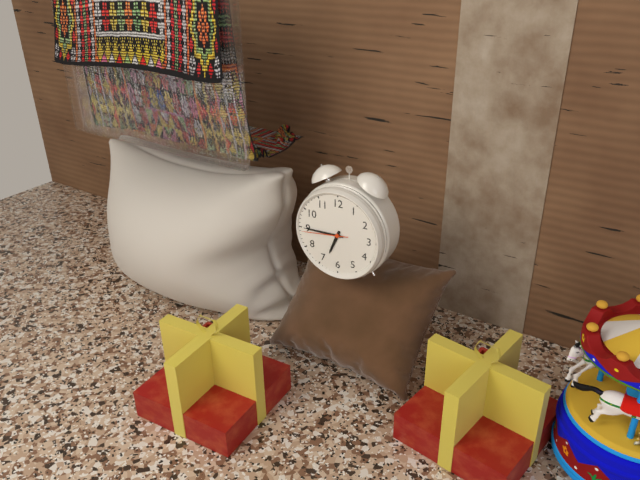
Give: 6:45
